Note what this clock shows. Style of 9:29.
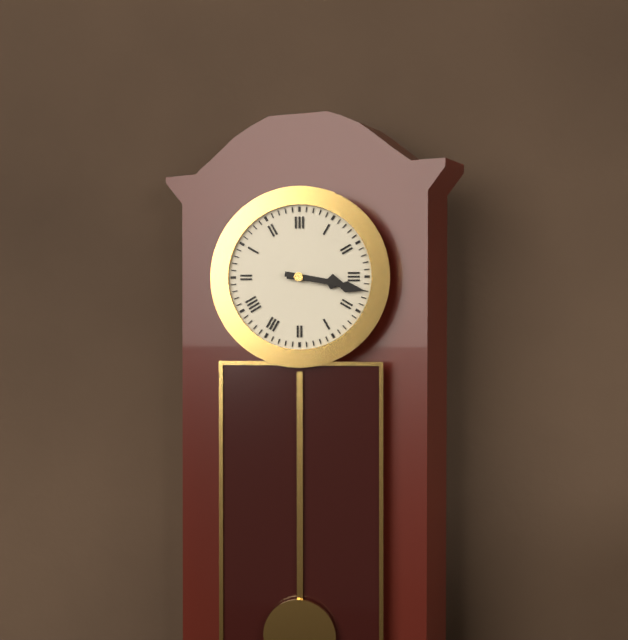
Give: 3:17
